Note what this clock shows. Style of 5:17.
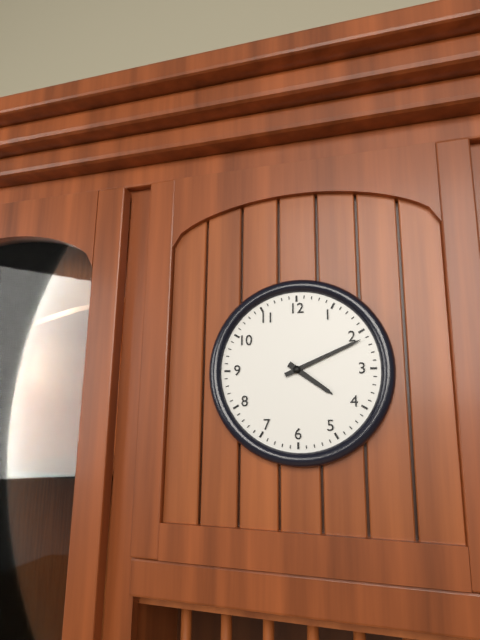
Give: 4:11
